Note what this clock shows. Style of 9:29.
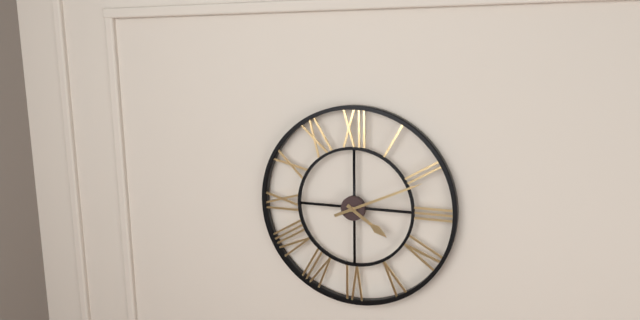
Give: 4:11
